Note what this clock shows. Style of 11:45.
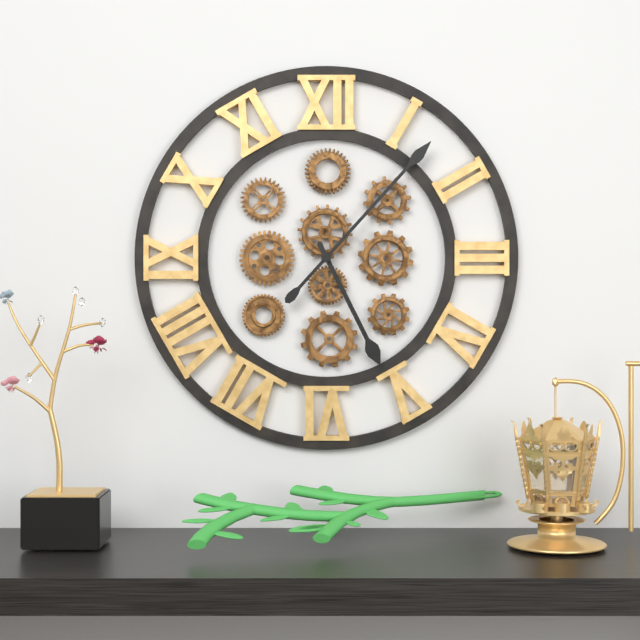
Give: 5:07
